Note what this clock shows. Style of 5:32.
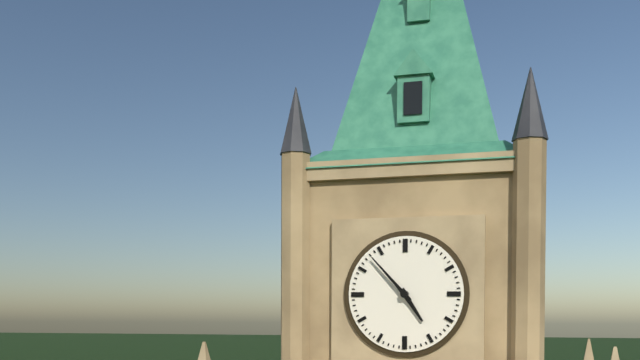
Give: 4:53
